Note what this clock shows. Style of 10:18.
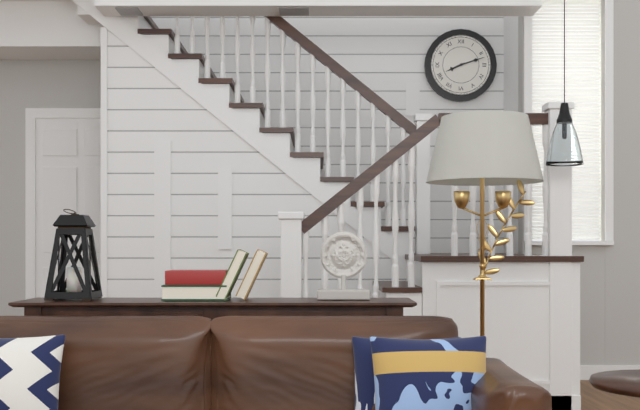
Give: 8:12
